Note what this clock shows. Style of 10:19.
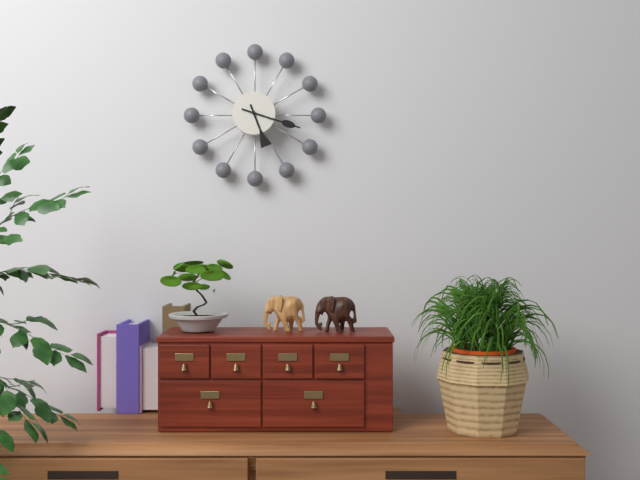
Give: 5:18
